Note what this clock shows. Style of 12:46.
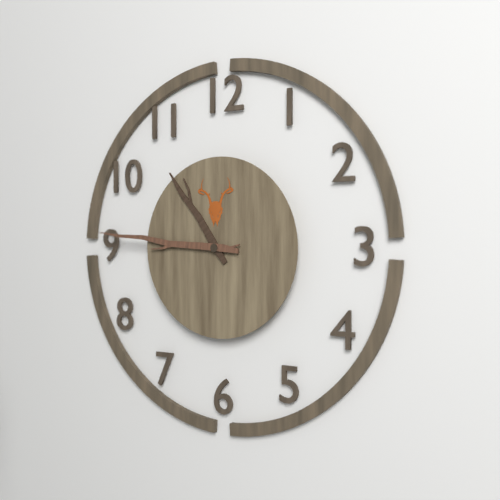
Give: 10:46
